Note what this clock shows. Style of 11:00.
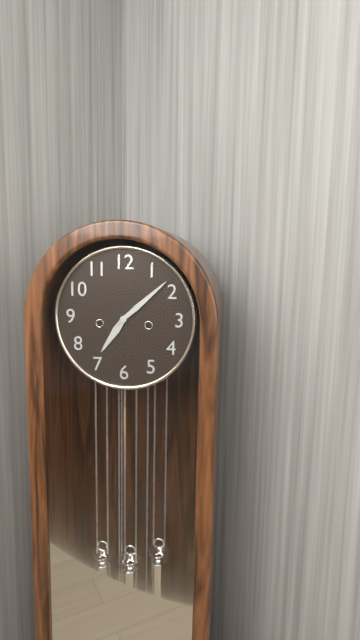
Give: 7:08
